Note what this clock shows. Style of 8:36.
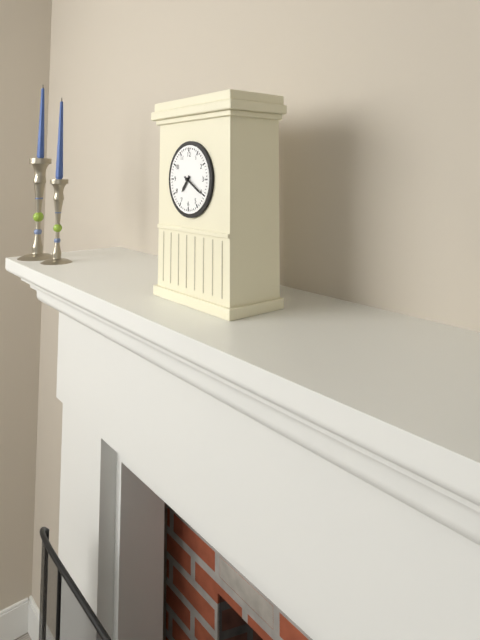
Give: 7:20
